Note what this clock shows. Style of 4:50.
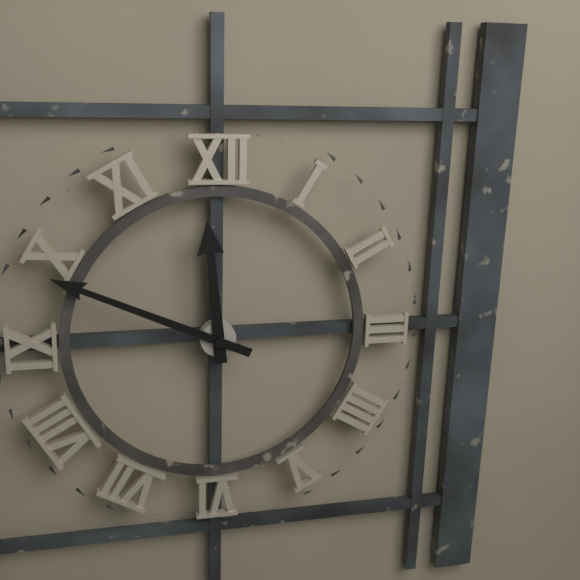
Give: 11:49
